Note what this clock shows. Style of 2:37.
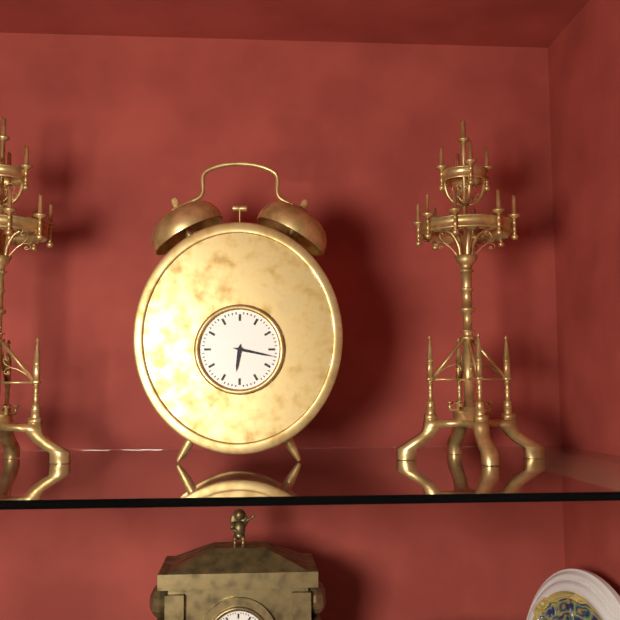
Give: 6:17
